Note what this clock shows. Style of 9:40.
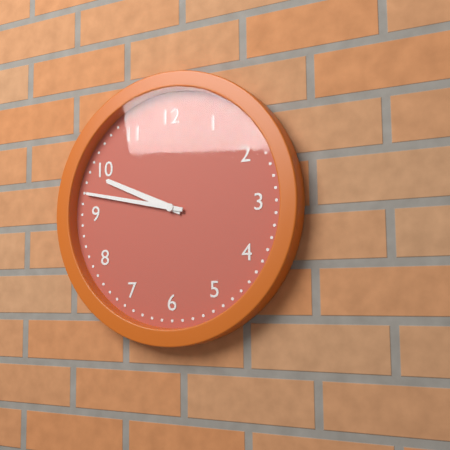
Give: 9:47
